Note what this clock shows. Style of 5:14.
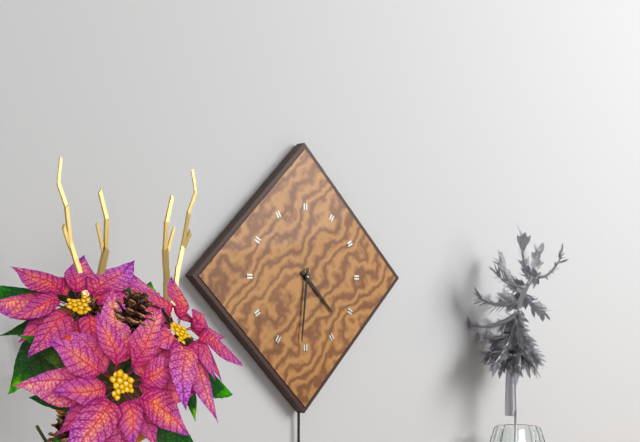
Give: 4:31
